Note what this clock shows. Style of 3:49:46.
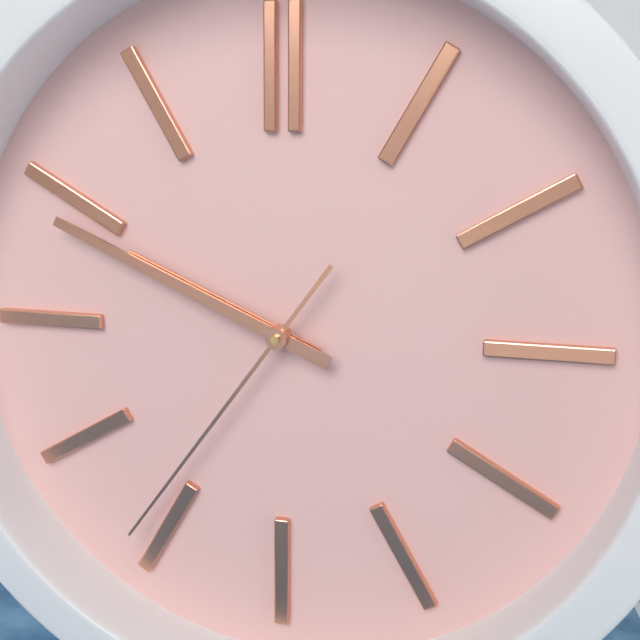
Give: 9:49:36
